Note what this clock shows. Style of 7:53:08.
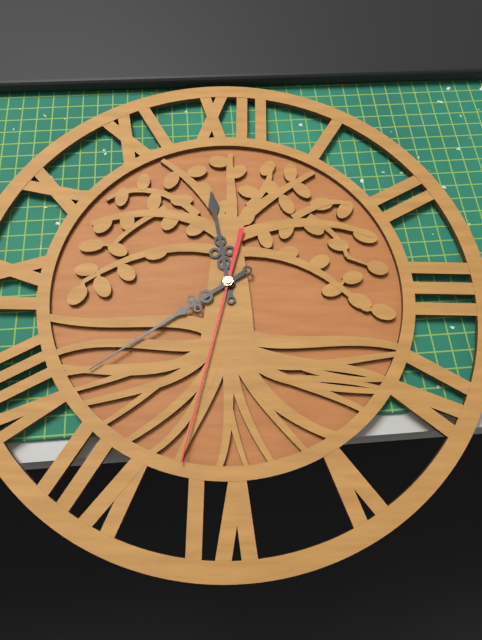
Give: 11:39:32
